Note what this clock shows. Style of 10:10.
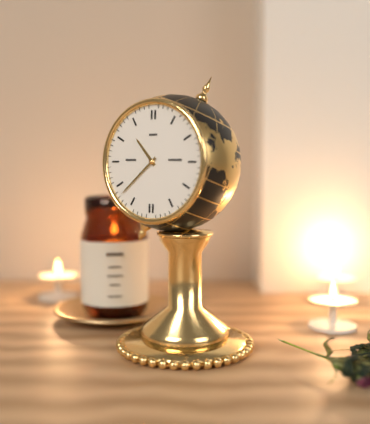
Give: 10:38
